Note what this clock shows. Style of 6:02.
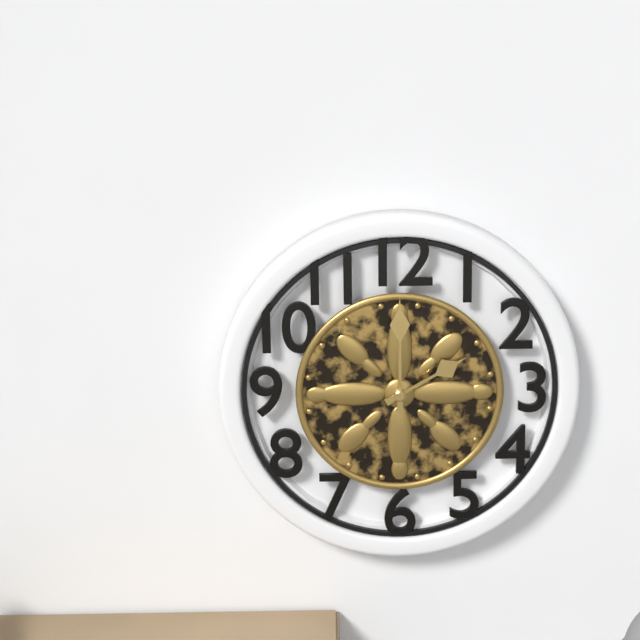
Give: 2:00
